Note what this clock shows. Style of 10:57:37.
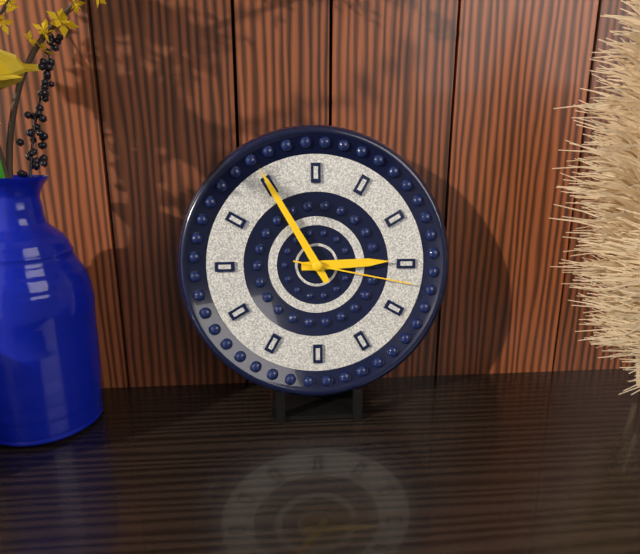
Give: 2:55:17
